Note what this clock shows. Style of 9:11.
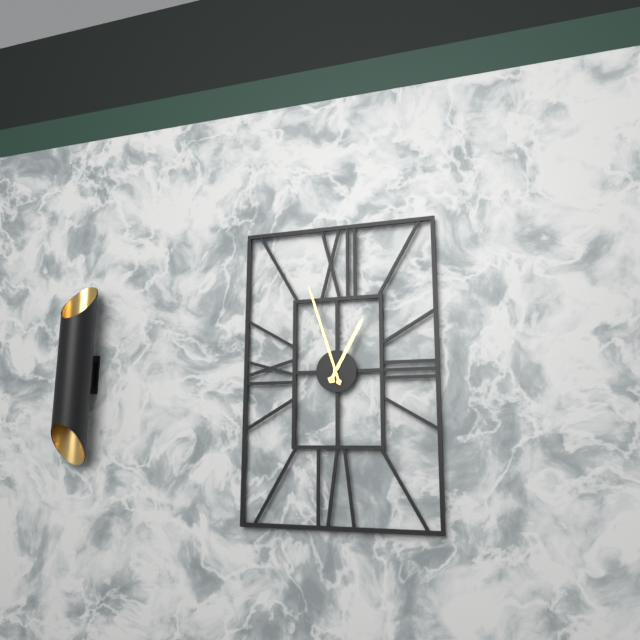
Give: 12:57
